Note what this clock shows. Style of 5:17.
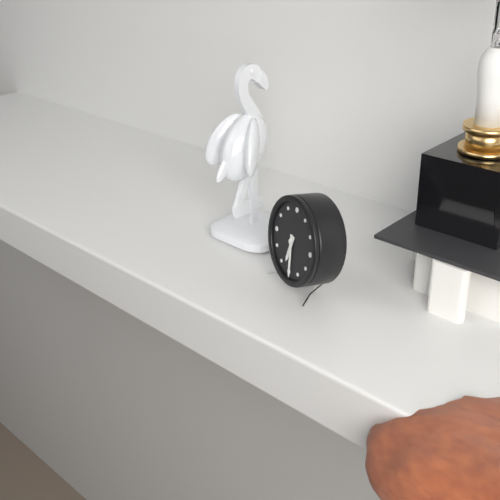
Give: 6:29
